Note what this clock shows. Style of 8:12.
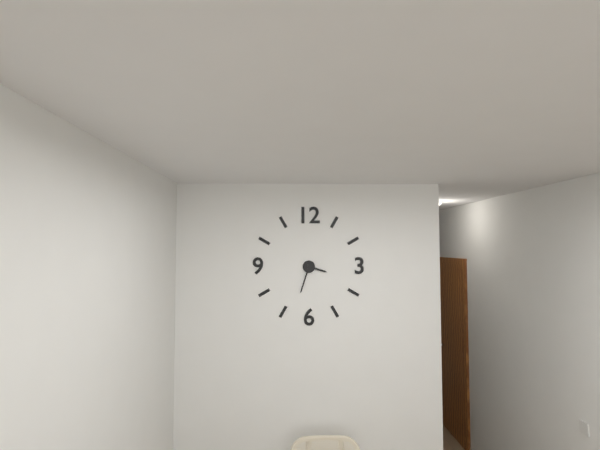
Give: 3:33
